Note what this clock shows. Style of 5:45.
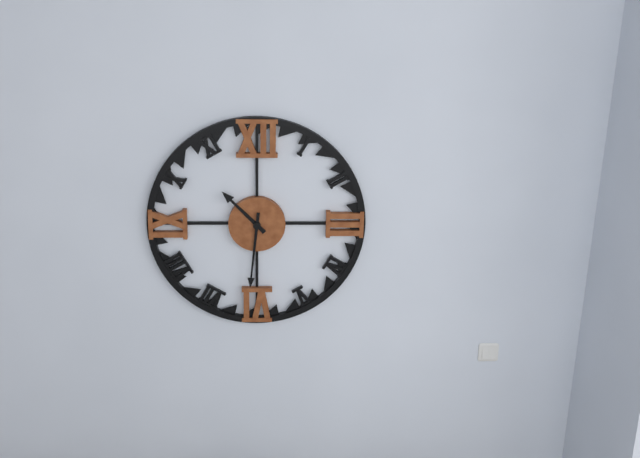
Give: 10:31
